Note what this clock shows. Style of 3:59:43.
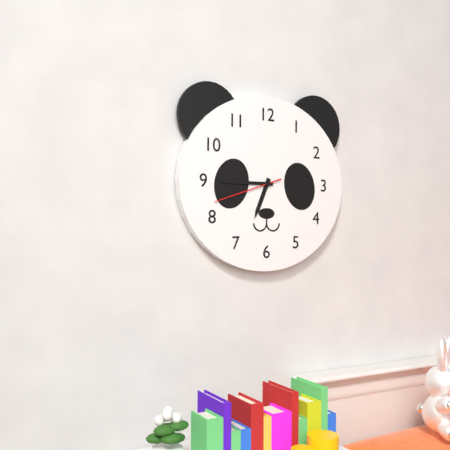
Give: 6:45:42
